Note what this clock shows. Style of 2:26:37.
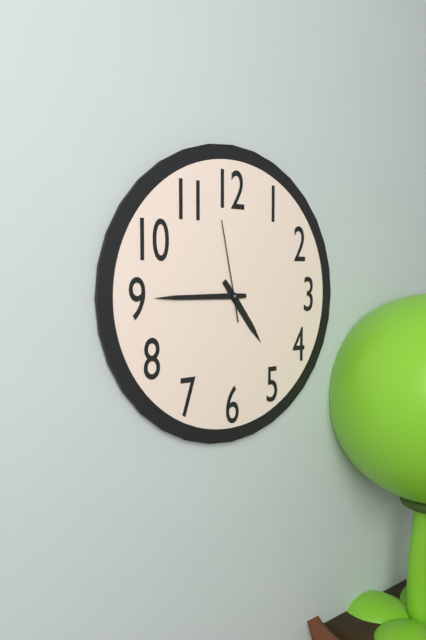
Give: 4:45:58
